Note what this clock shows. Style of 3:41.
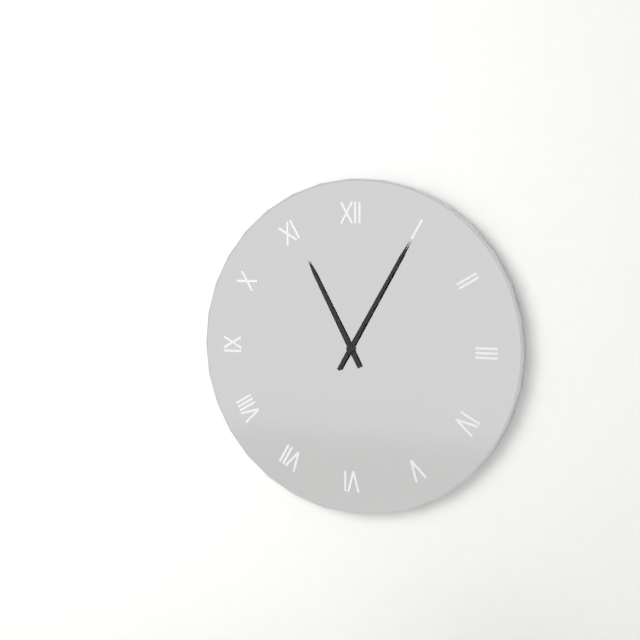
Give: 11:05
